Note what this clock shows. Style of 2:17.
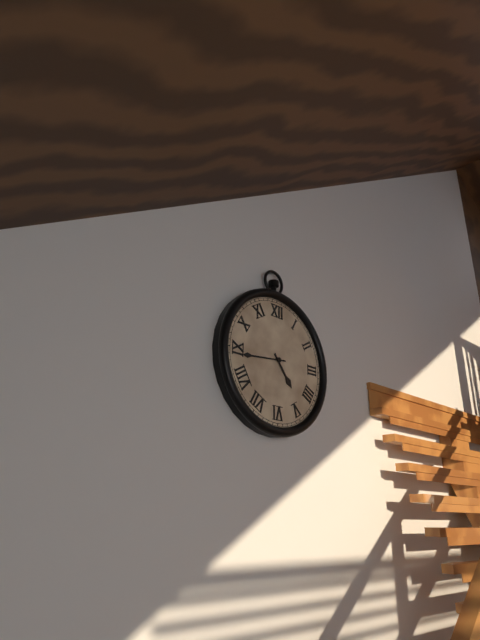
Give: 4:44
